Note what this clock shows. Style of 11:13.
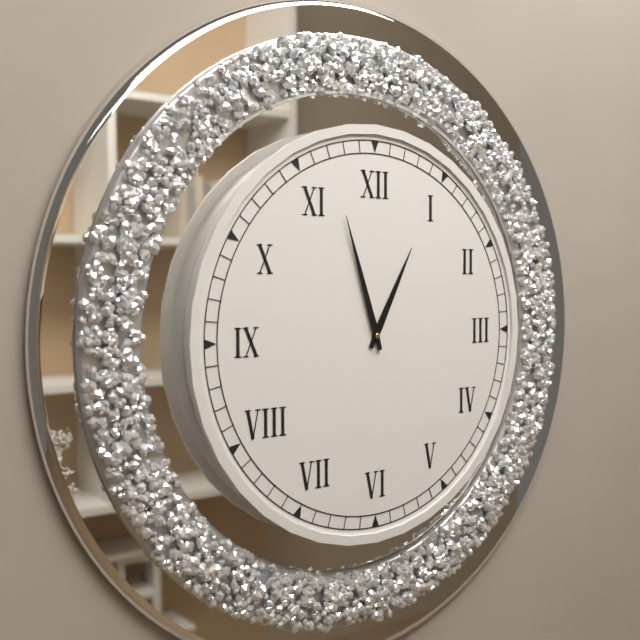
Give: 12:57
